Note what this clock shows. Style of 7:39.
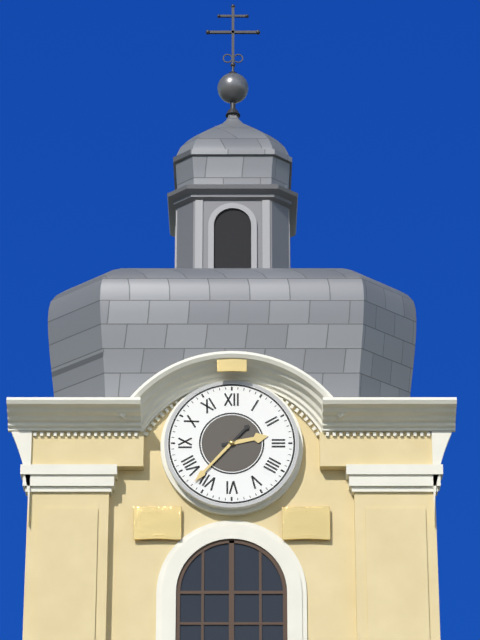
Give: 2:37
